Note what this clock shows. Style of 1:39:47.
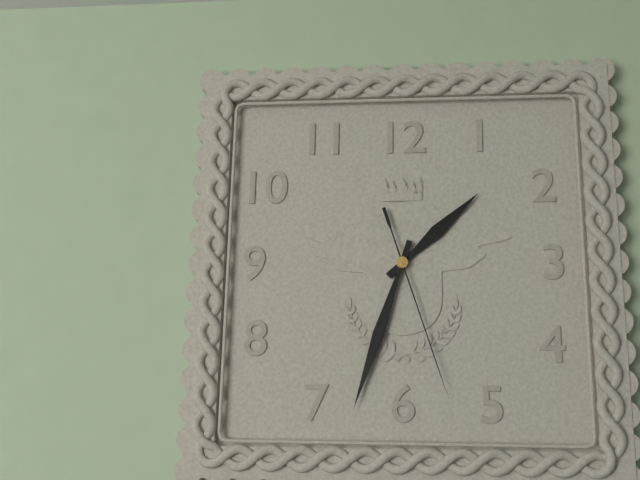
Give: 1:33:27
